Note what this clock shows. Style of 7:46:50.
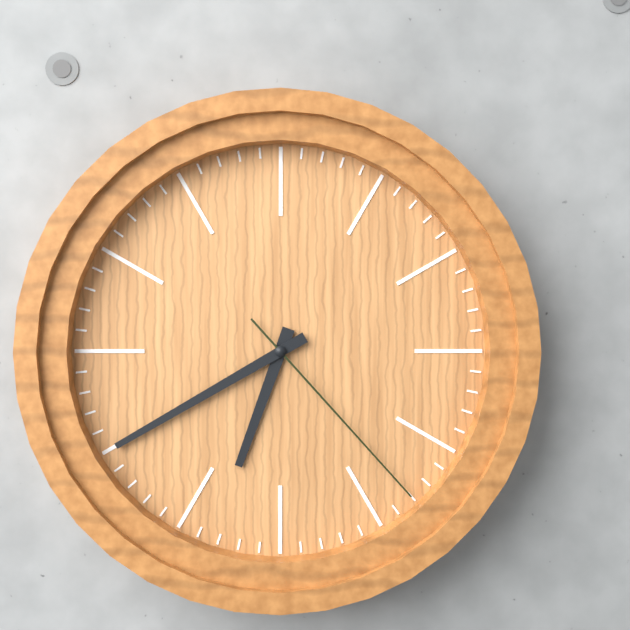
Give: 6:40:23
